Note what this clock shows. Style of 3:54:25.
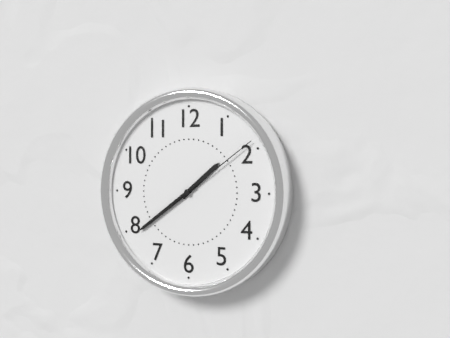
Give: 1:39:09
